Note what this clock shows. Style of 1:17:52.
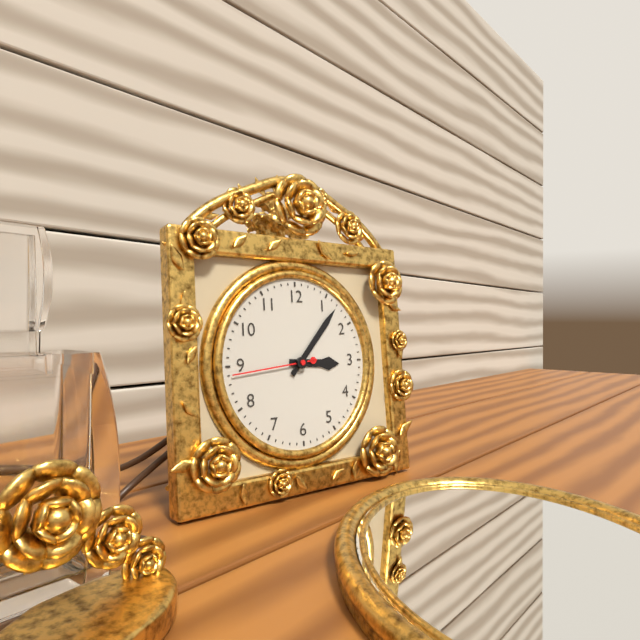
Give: 3:07:44
